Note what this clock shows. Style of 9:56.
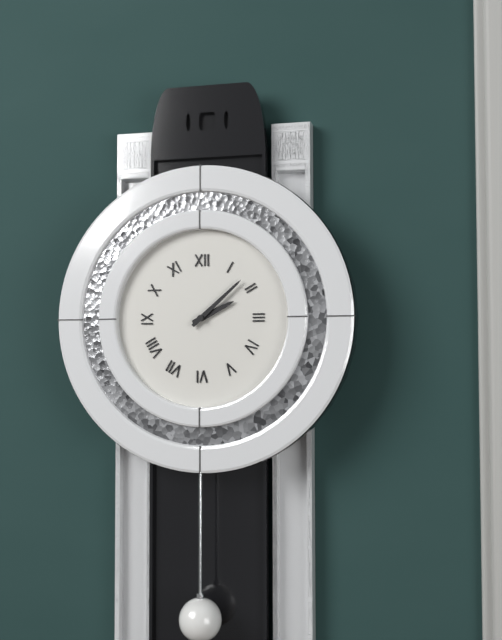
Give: 2:08
